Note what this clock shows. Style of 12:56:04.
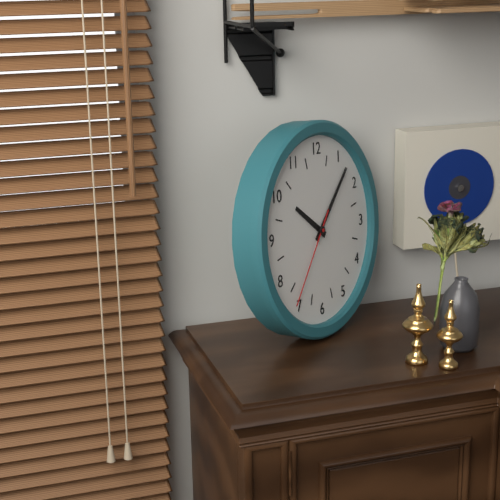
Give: 10:07:36
